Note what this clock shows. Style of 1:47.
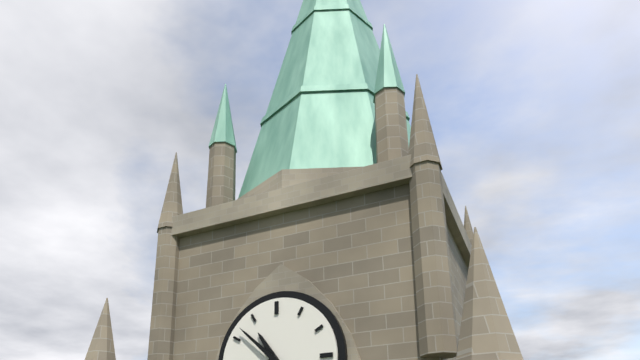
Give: 10:52
